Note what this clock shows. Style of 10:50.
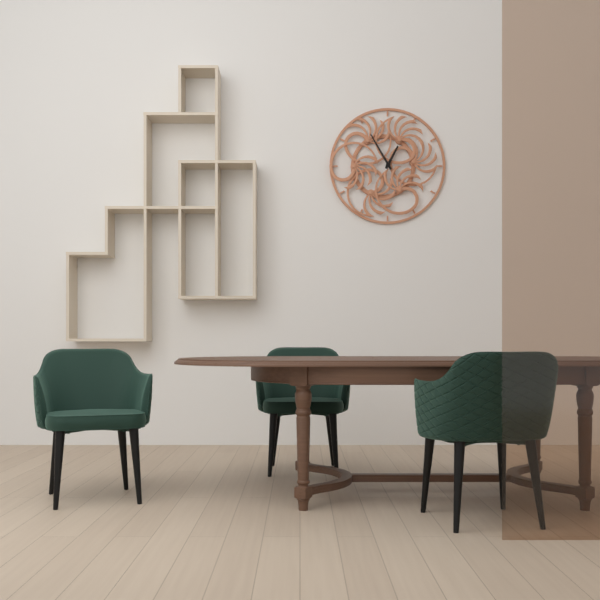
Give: 12:55
